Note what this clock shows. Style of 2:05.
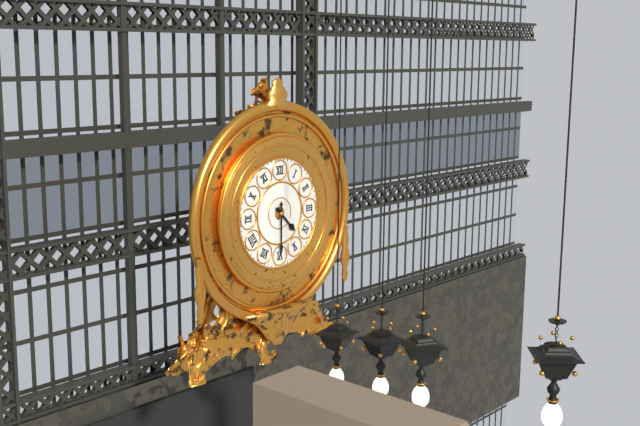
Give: 4:30
